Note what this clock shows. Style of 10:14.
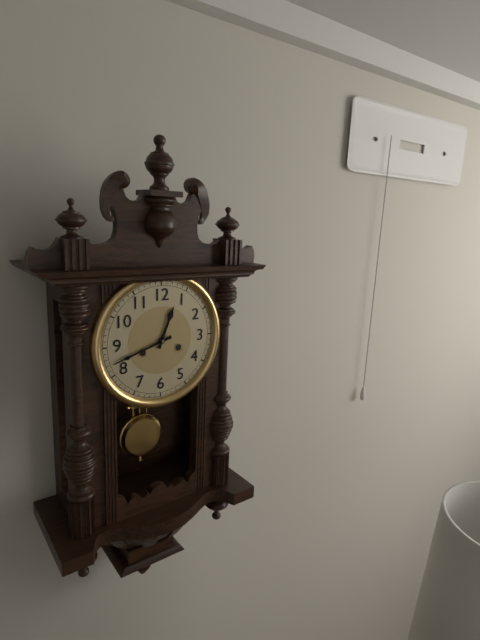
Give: 12:42
